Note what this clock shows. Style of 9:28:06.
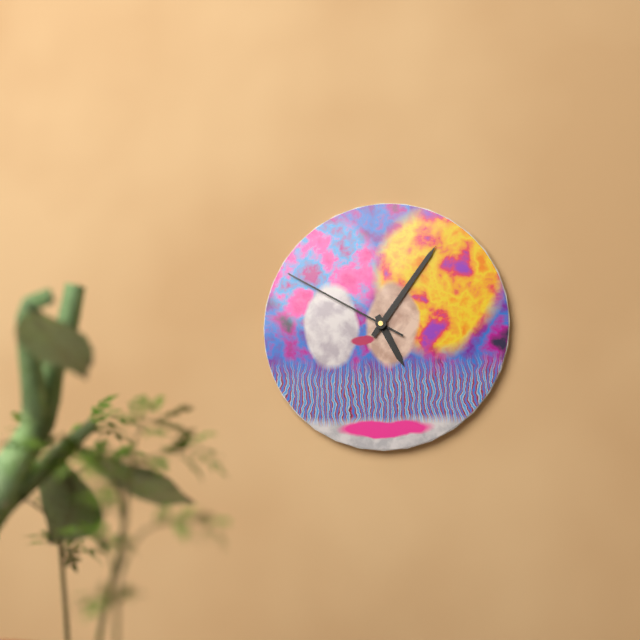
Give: 5:06:50
